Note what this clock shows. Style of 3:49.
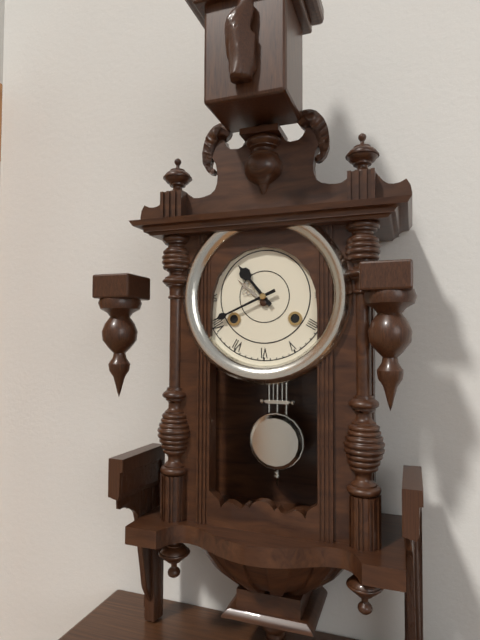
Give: 10:41
